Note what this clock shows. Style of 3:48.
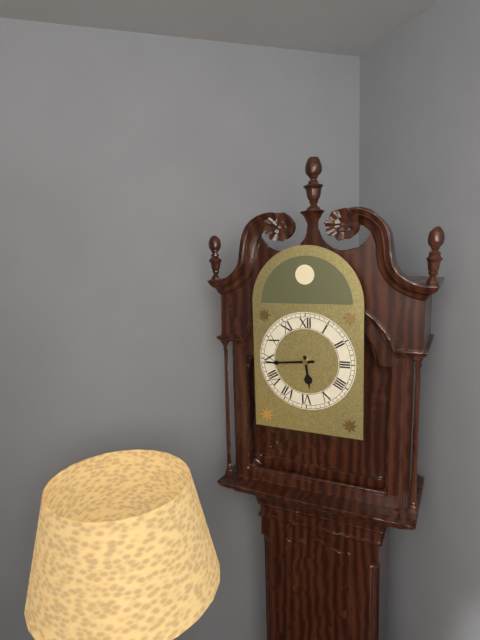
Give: 5:44
